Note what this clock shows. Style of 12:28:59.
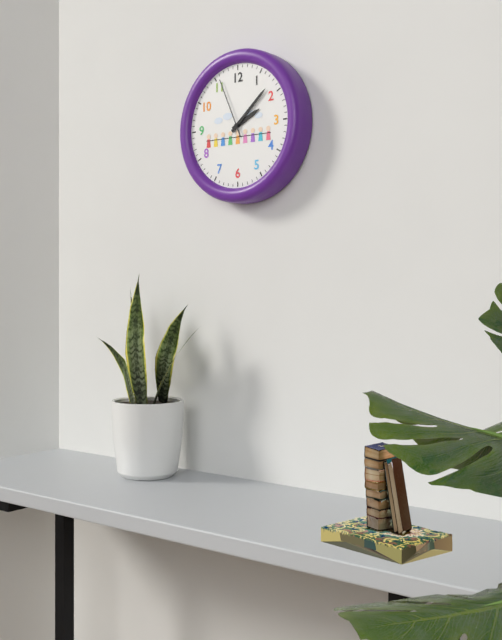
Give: 2:08:56
